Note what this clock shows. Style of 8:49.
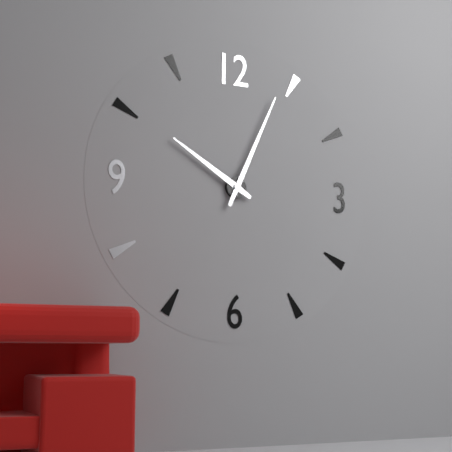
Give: 10:04
